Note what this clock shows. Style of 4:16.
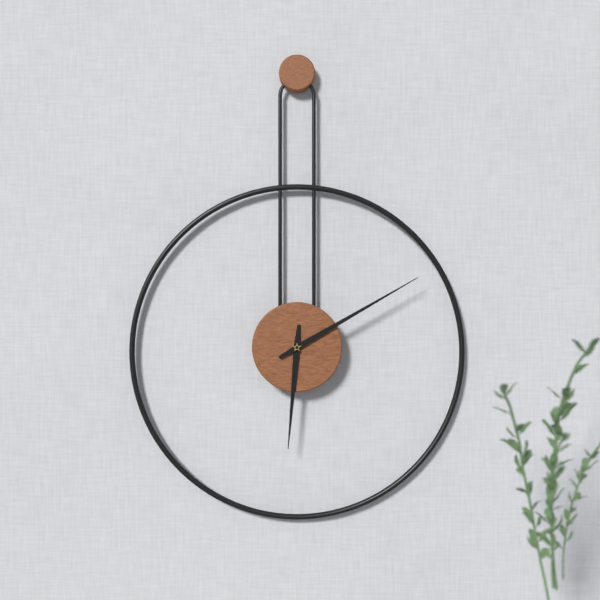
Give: 6:10
